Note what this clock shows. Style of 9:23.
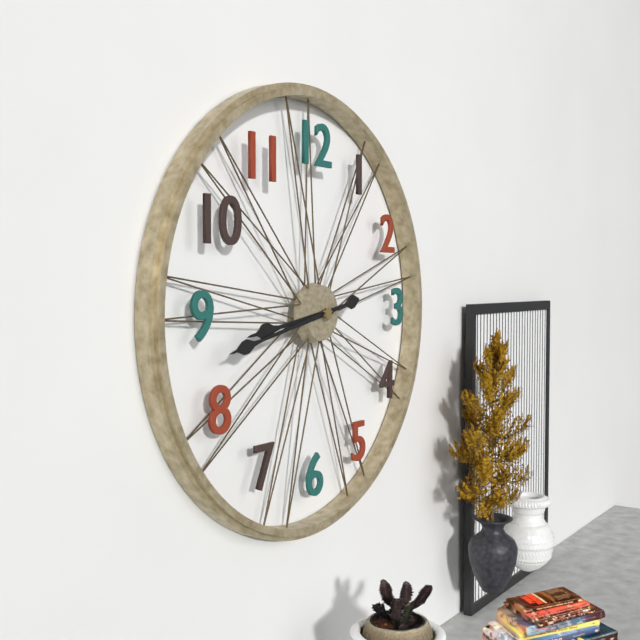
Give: 8:43
